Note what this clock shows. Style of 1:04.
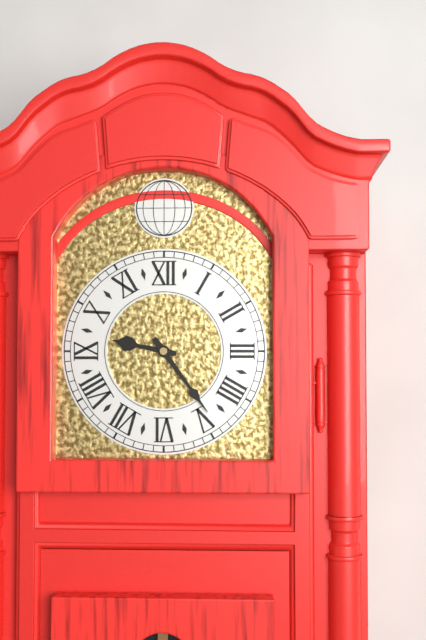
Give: 9:24
